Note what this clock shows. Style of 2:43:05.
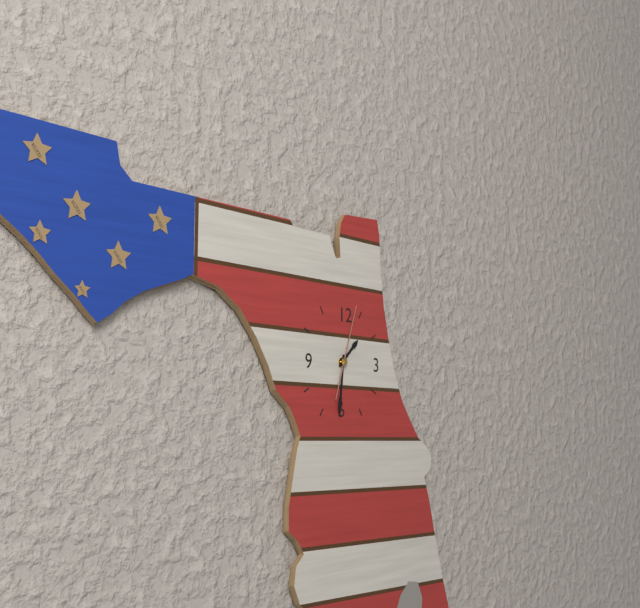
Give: 1:31:03
